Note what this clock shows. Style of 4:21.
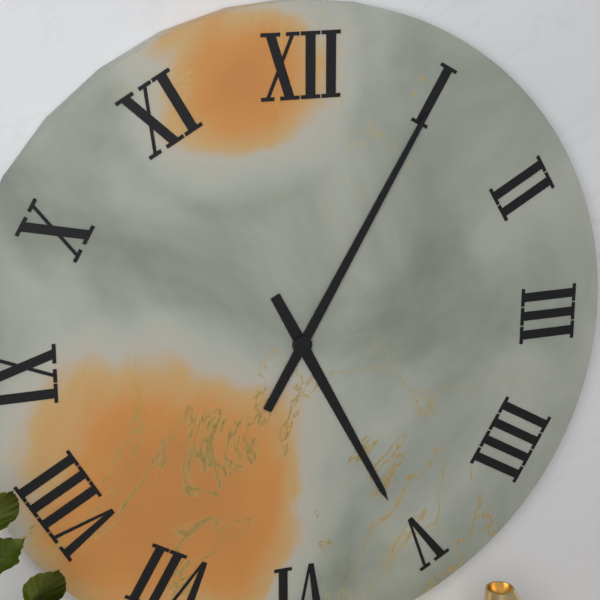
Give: 5:05
